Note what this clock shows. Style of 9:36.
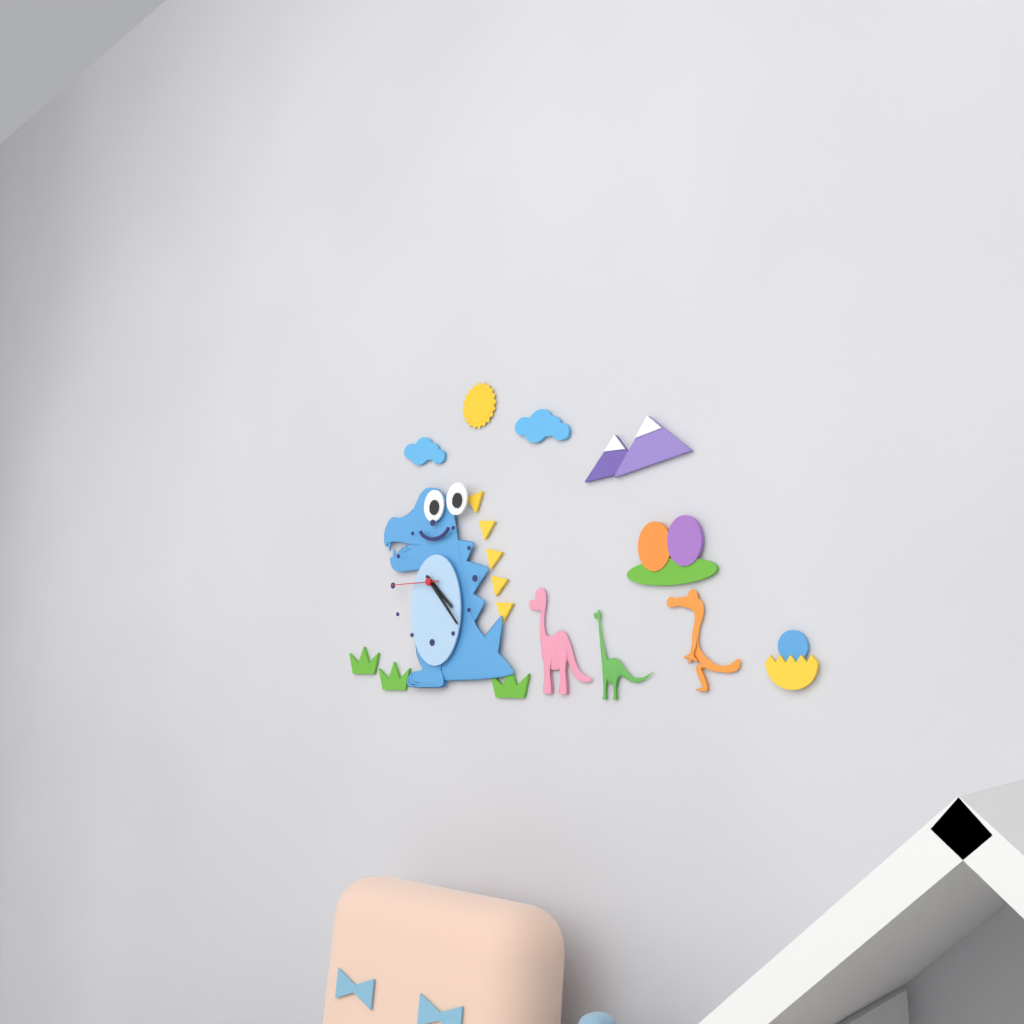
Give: 4:23
